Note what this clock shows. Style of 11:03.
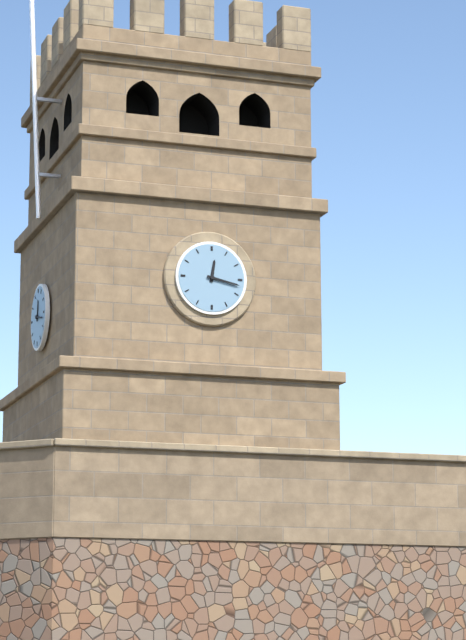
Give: 12:17
